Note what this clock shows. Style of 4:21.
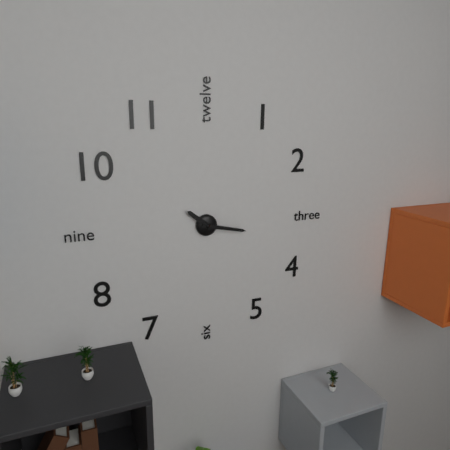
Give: 10:17
